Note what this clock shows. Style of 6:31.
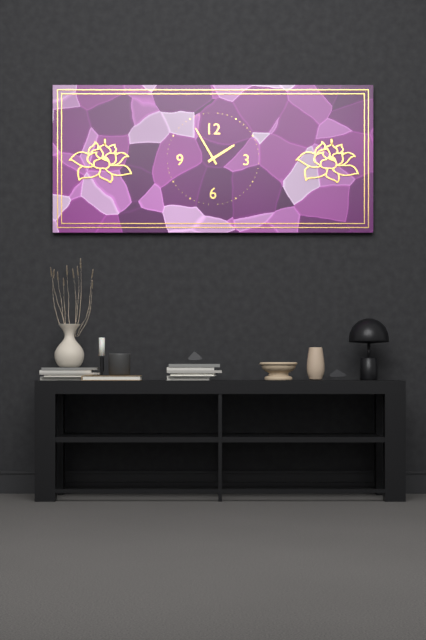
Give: 1:55
